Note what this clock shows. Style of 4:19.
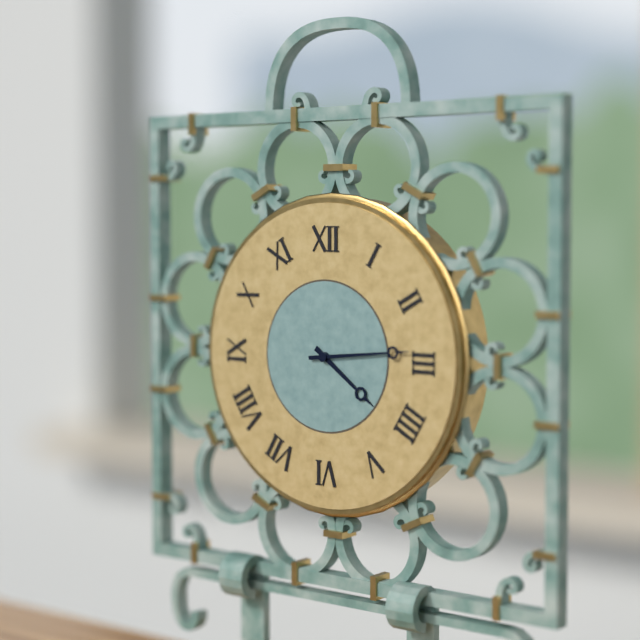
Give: 4:14
